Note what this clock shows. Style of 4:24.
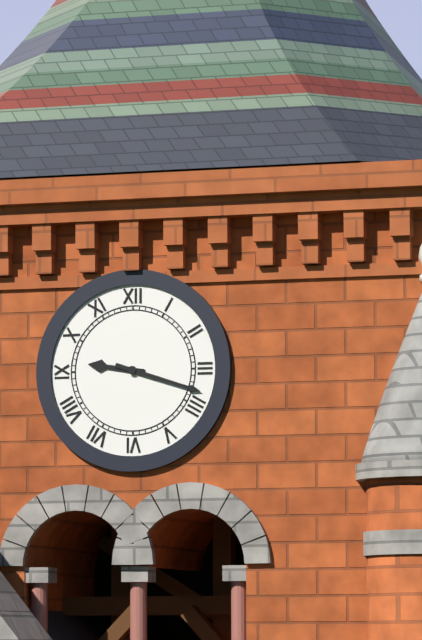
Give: 9:18
